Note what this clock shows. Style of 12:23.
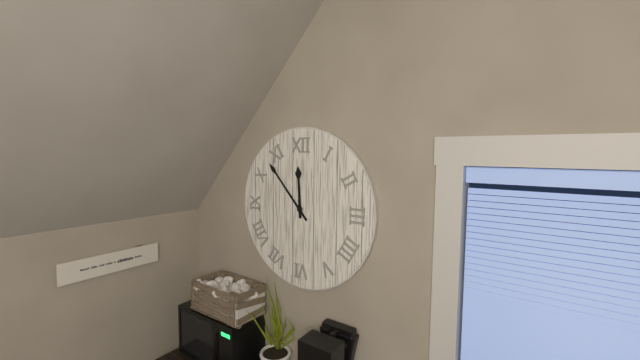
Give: 11:53
